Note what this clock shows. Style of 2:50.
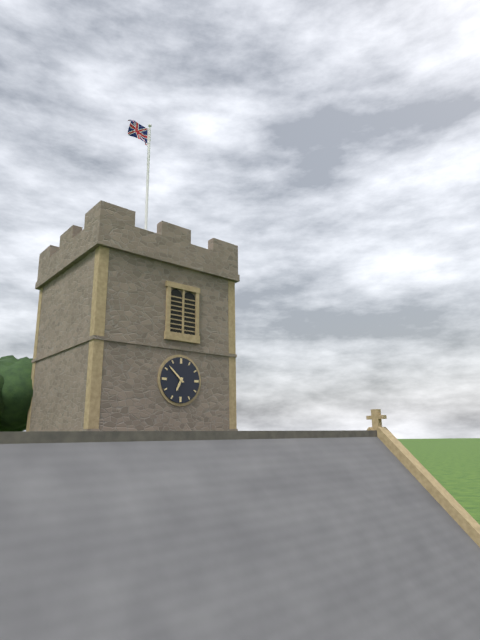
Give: 6:52
